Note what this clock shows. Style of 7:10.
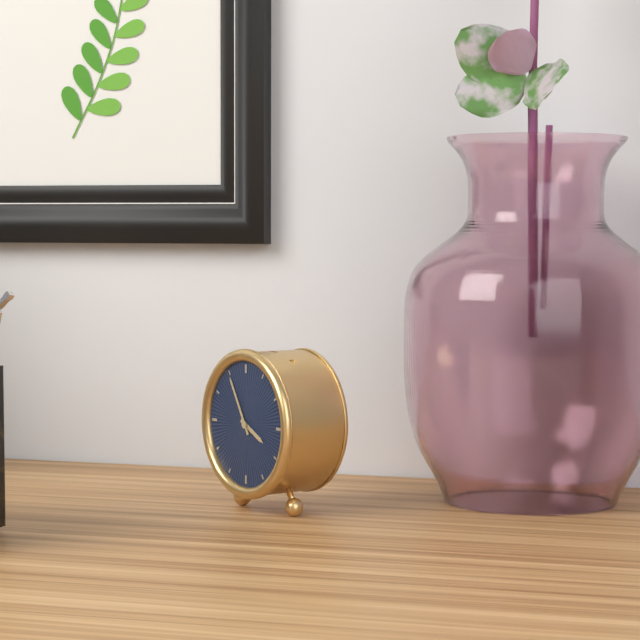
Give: 3:55
